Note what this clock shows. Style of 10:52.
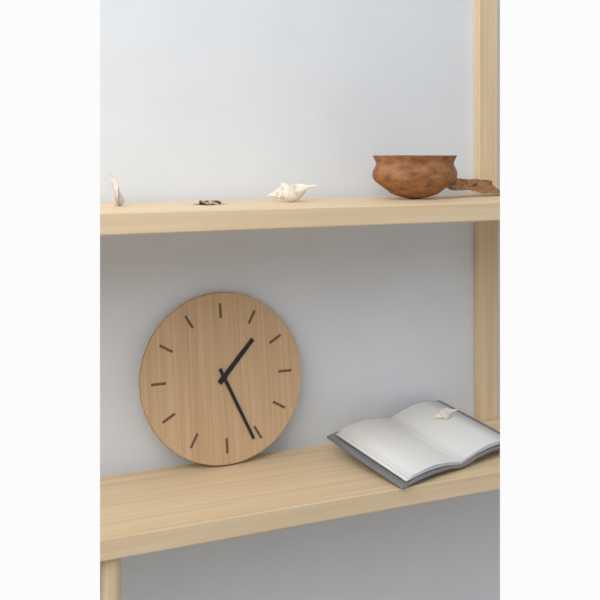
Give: 1:26
